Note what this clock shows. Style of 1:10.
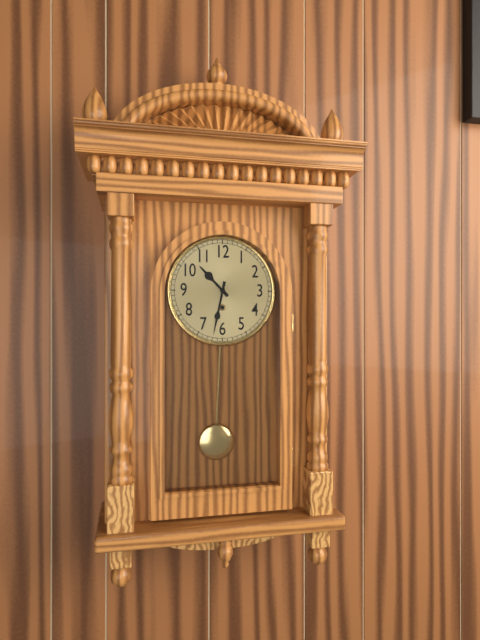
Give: 10:32
